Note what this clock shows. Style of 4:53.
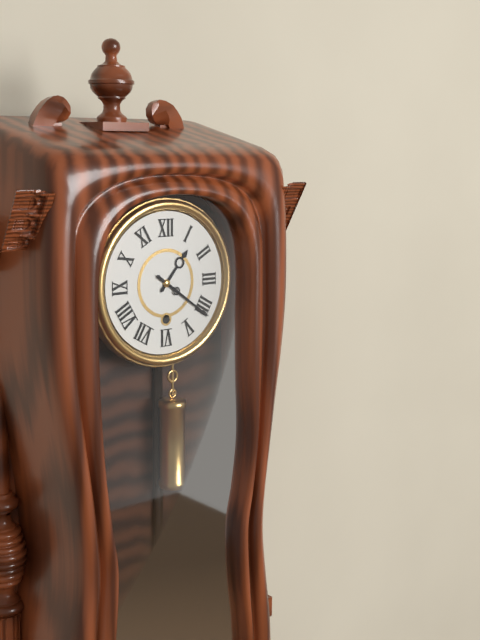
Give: 1:21
